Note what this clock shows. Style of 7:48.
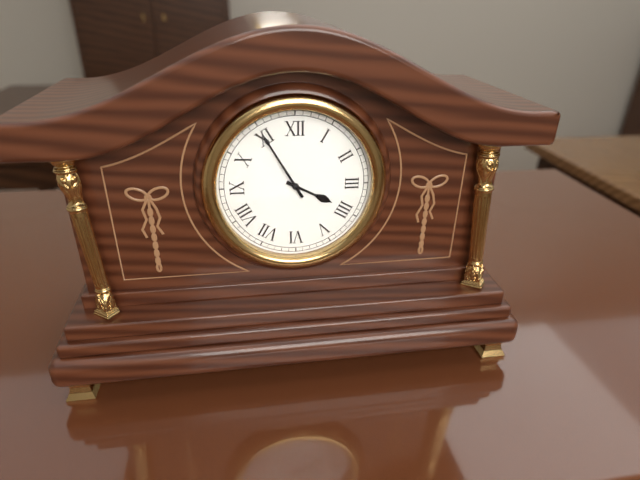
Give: 3:55
